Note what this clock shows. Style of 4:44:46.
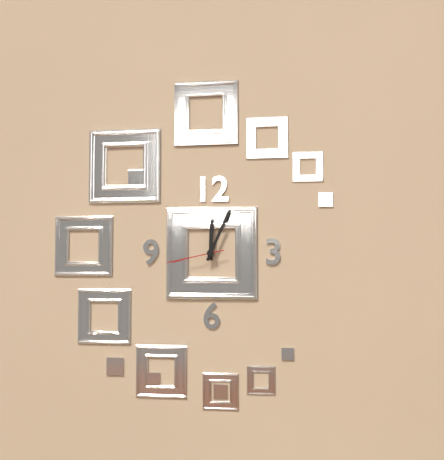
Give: 12:04:43
